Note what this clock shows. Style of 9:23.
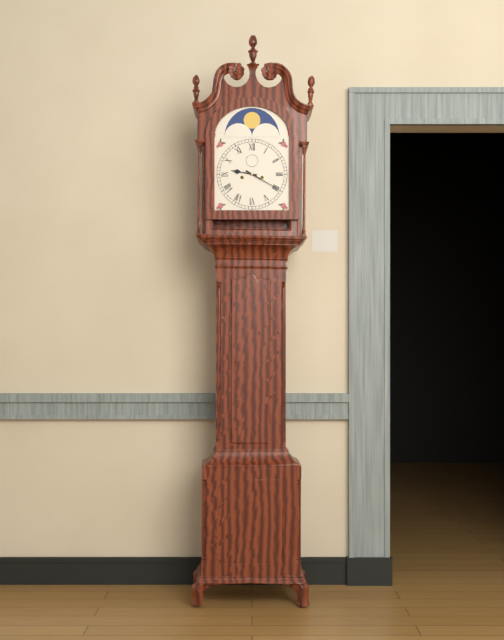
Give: 9:20
